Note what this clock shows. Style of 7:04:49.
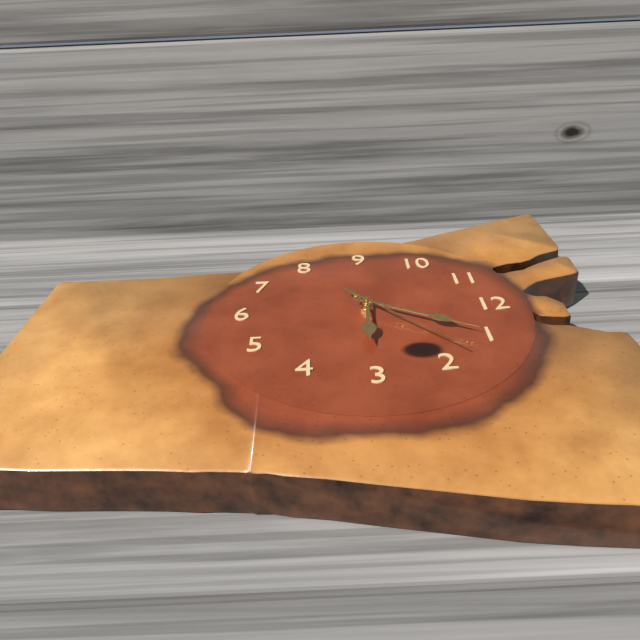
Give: 3:05:08
